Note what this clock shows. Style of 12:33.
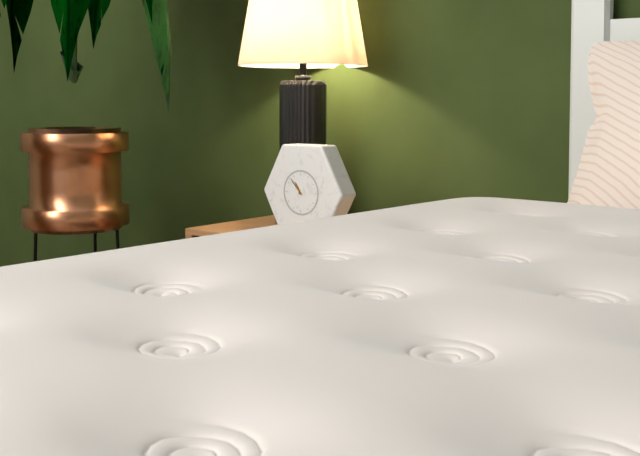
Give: 10:53
